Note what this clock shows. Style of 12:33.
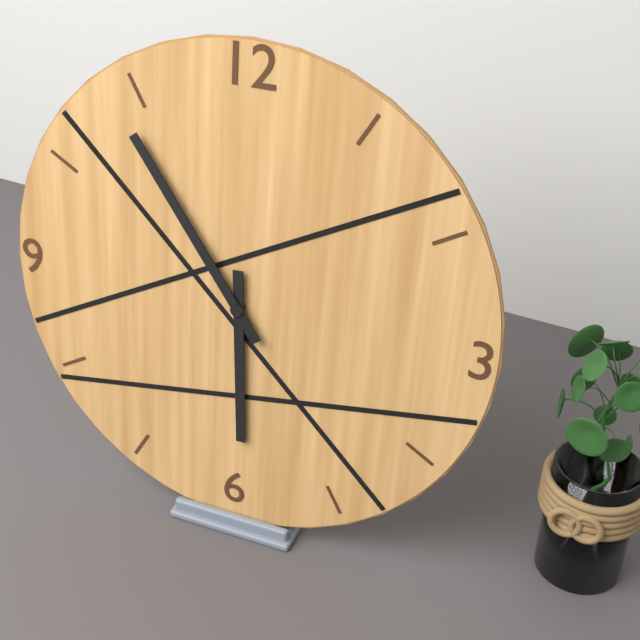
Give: 5:54
